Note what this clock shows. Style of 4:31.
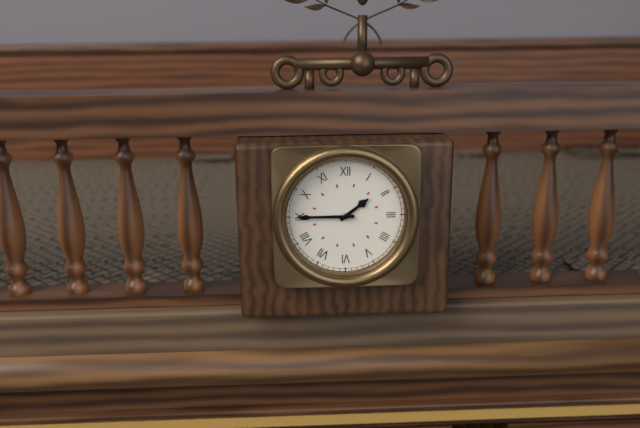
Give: 1:45
